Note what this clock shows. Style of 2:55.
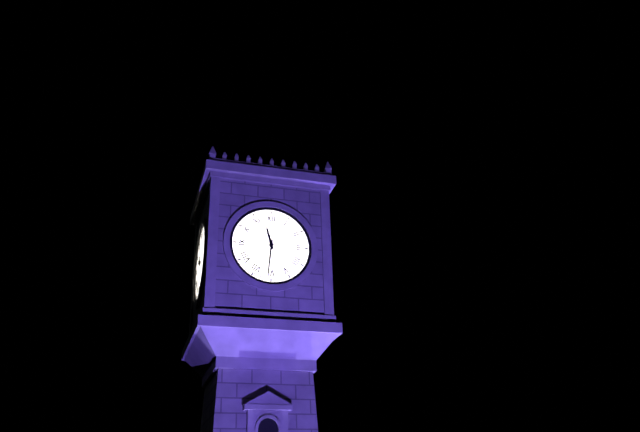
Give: 11:31
